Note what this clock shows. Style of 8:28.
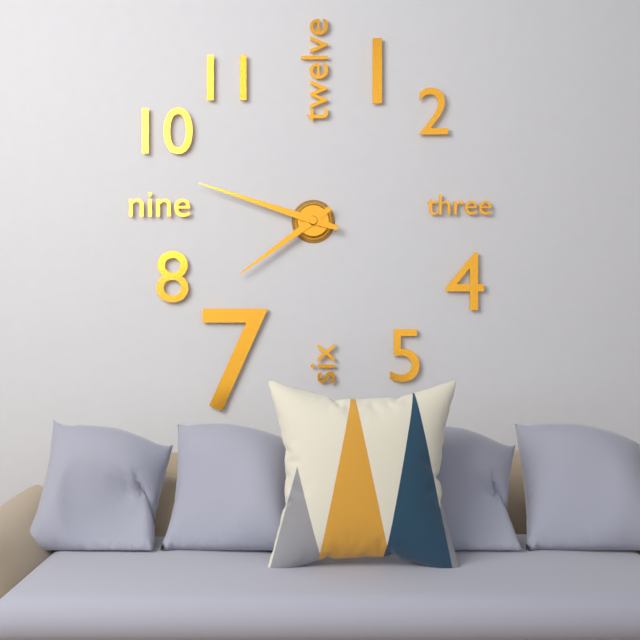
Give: 7:48
